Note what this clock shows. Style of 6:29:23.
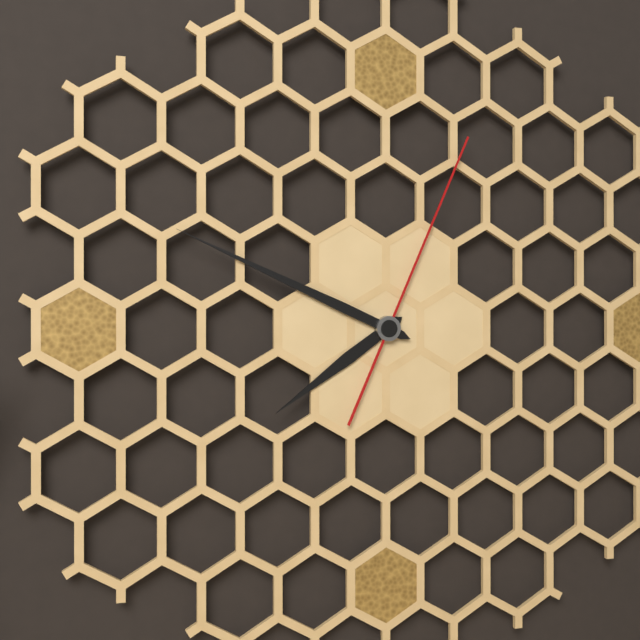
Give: 7:49:04
